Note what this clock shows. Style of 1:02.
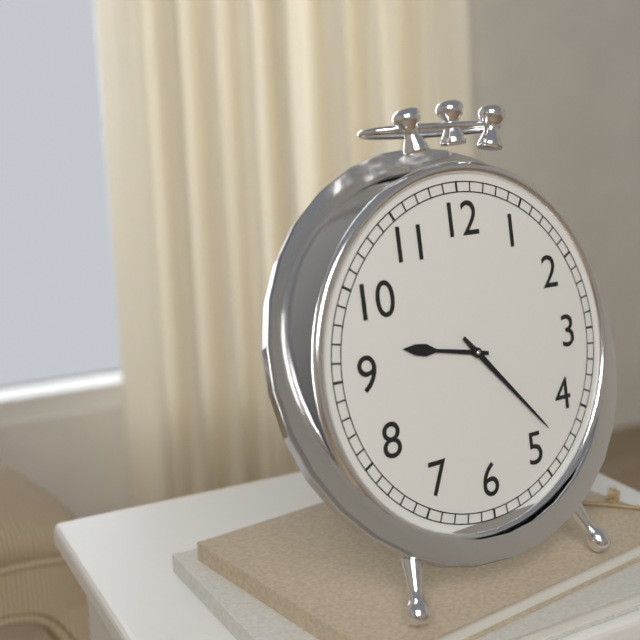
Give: 9:23
